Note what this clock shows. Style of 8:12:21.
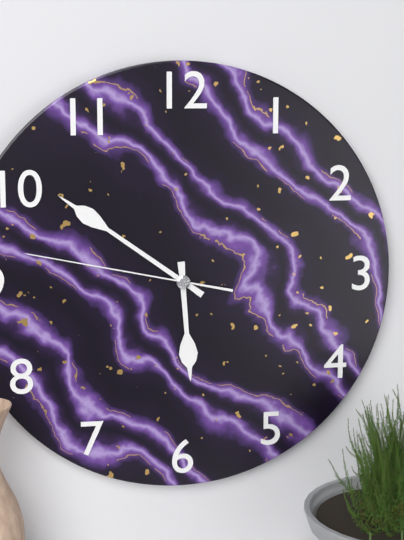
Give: 5:51:47
